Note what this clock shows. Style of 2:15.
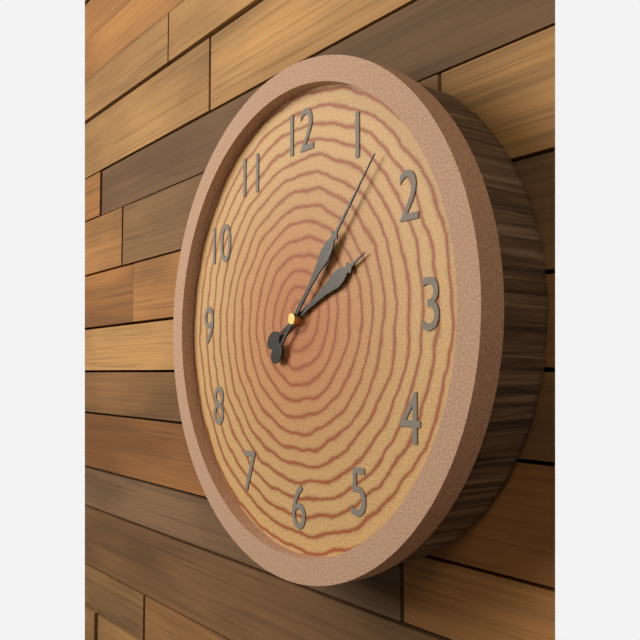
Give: 2:07
